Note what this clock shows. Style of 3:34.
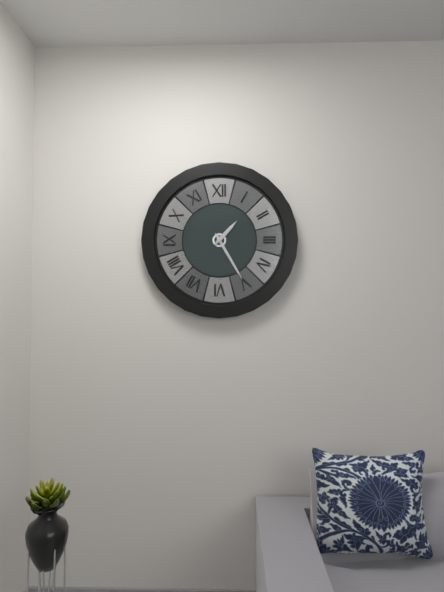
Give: 1:25
